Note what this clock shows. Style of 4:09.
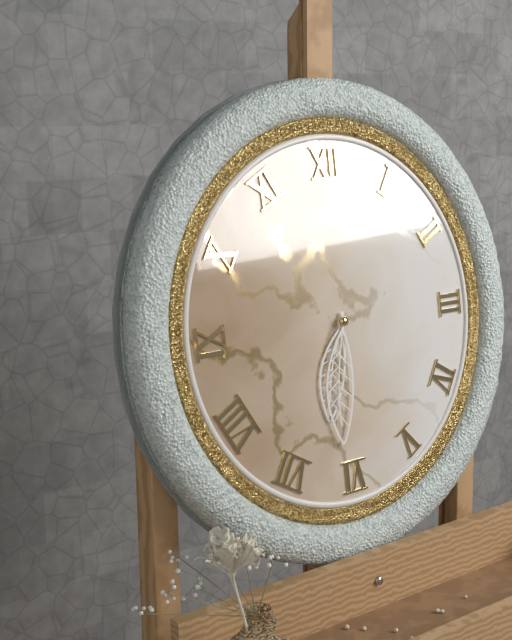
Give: 6:31
